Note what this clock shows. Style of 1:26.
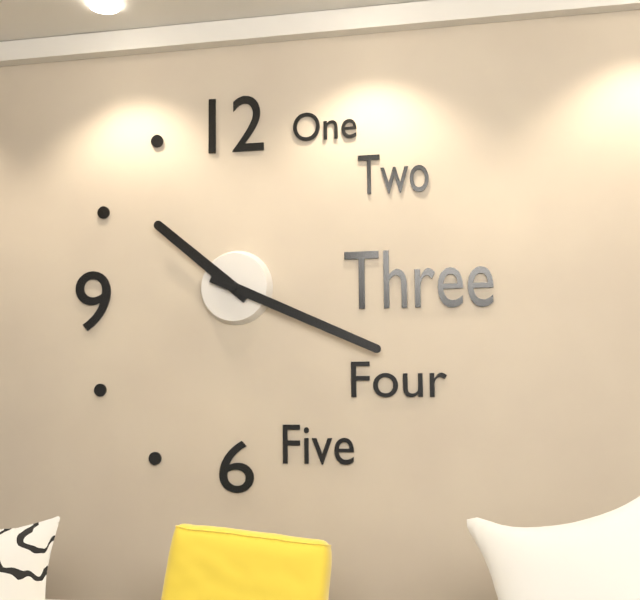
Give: 10:19
